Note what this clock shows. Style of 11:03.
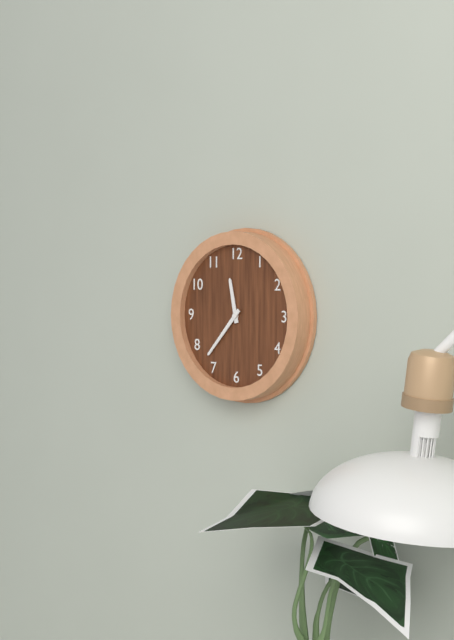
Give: 11:37
